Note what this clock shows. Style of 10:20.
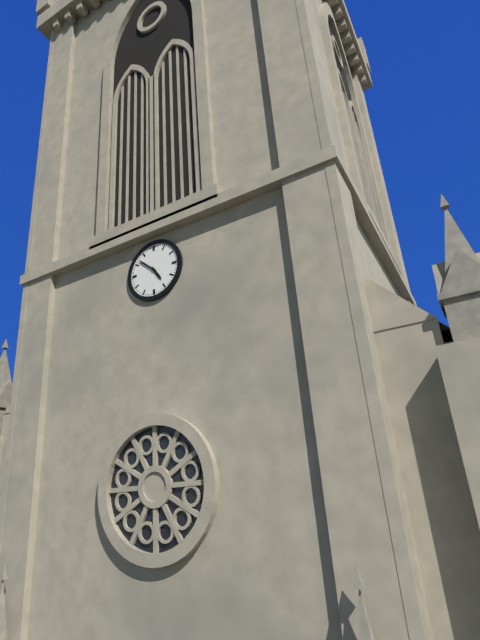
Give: 4:52
